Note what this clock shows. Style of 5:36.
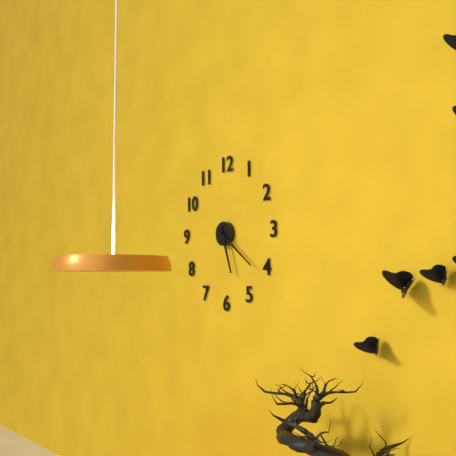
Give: 5:21
